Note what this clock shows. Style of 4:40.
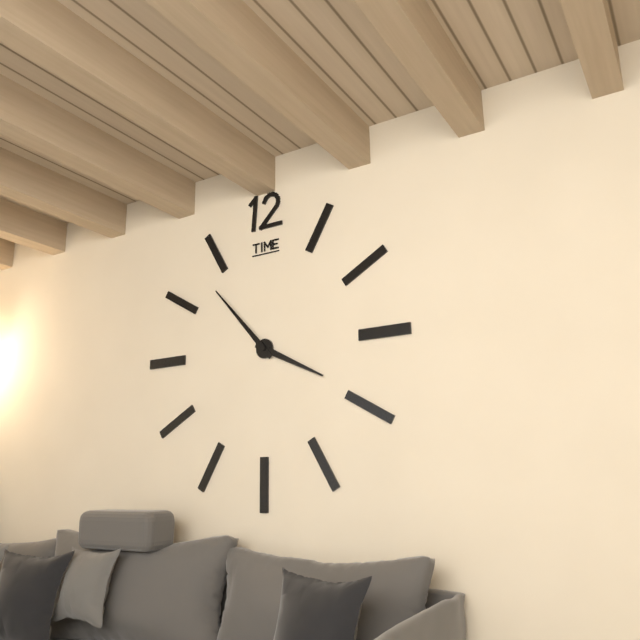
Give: 3:53
